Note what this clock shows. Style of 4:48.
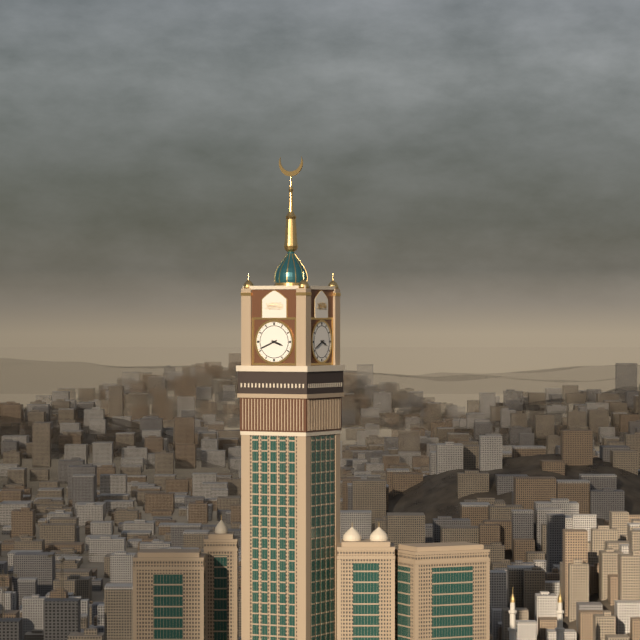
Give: 3:41
